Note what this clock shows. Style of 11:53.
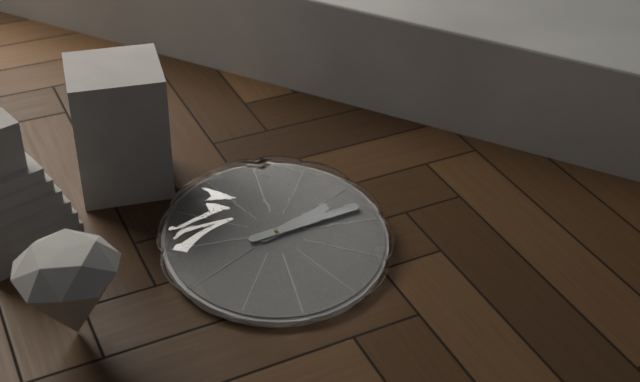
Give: 2:13
